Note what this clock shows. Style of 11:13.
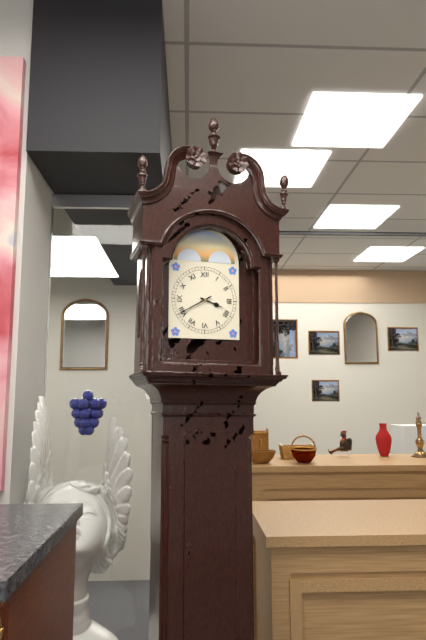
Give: 3:40
